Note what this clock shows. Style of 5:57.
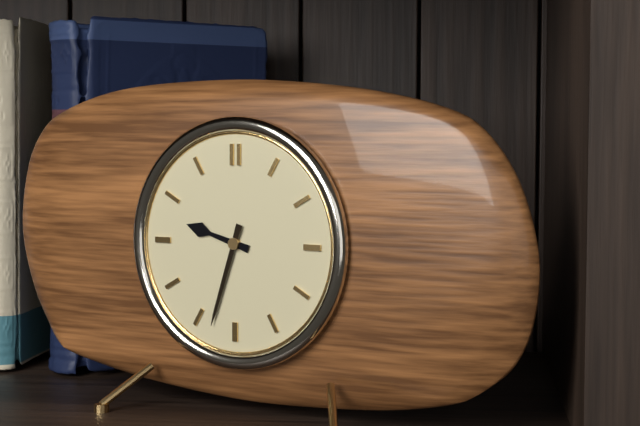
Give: 9:33
